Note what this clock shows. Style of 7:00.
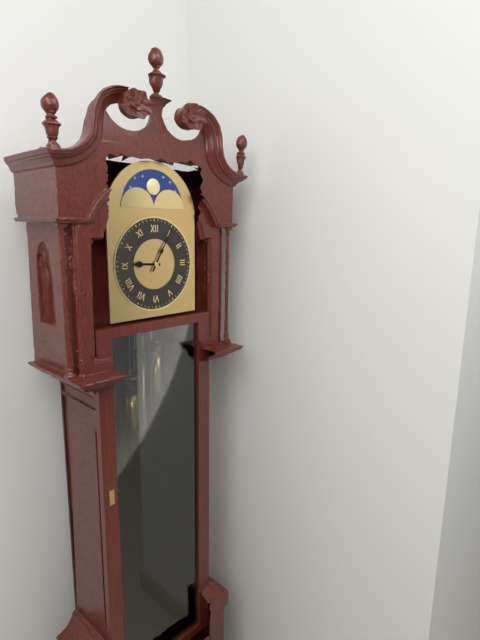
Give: 9:05
